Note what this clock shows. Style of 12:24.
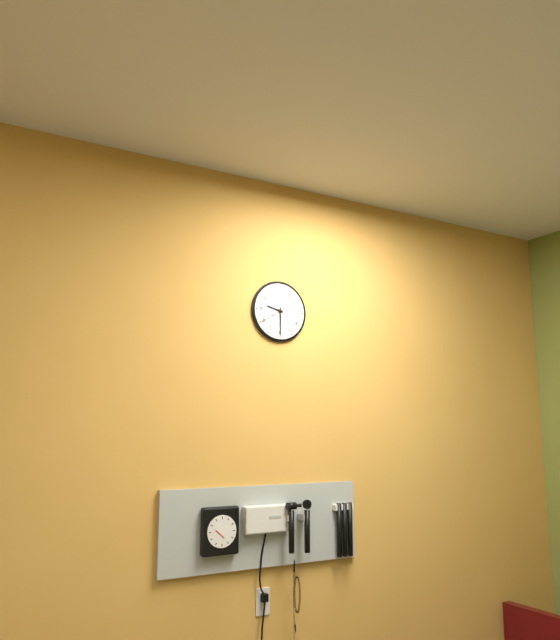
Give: 9:30
